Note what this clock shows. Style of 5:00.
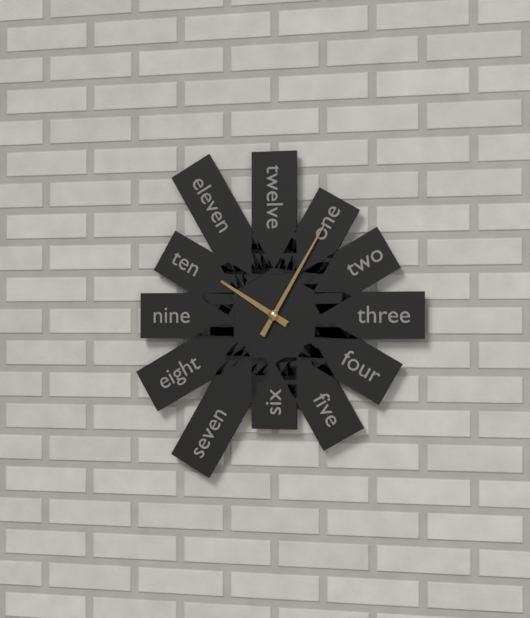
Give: 10:05
